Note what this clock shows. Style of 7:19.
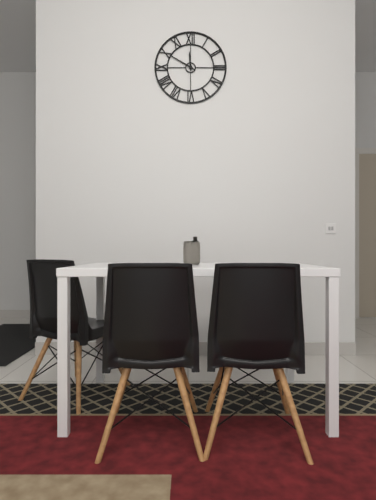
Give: 11:50
